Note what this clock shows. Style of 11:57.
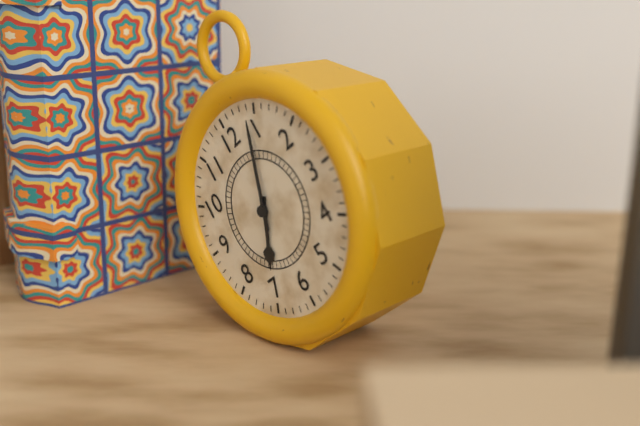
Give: 7:04
